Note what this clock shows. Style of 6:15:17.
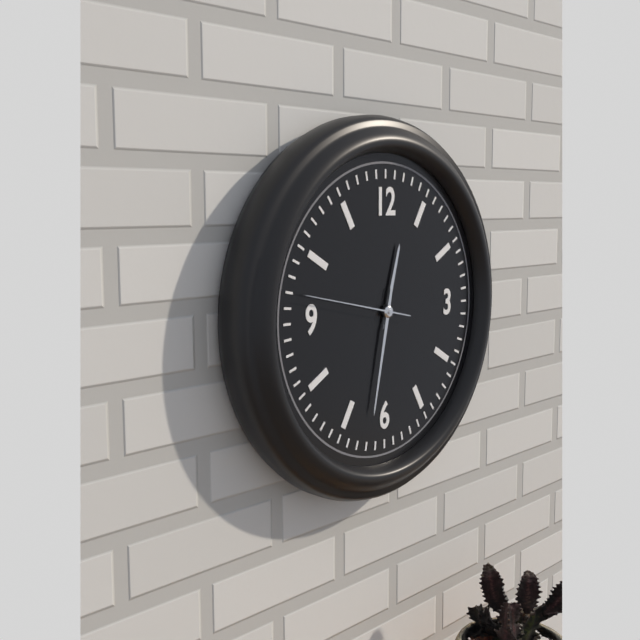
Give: 12:32:47
